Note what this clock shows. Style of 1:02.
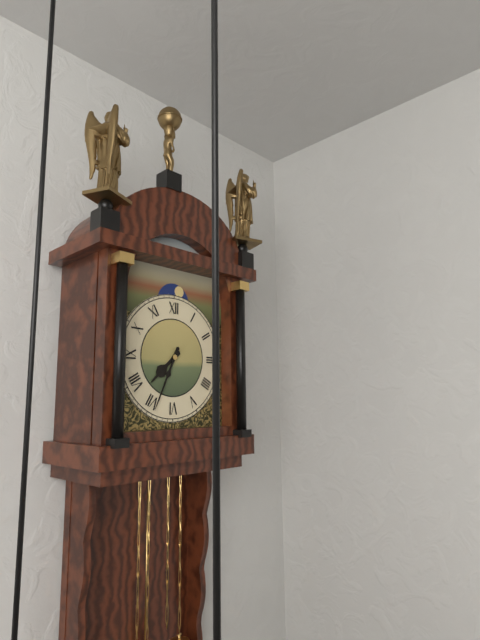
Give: 7:34
